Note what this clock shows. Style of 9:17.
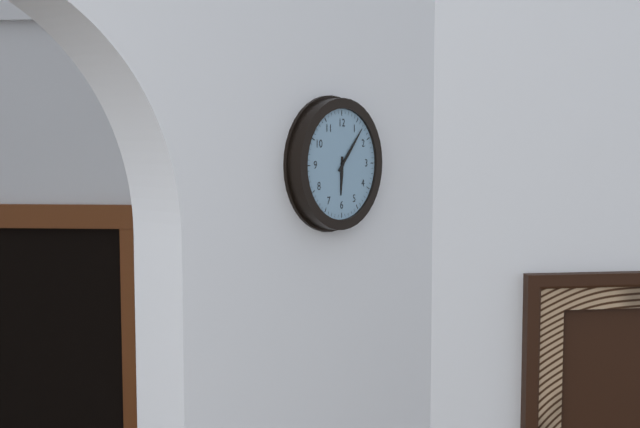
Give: 6:07
